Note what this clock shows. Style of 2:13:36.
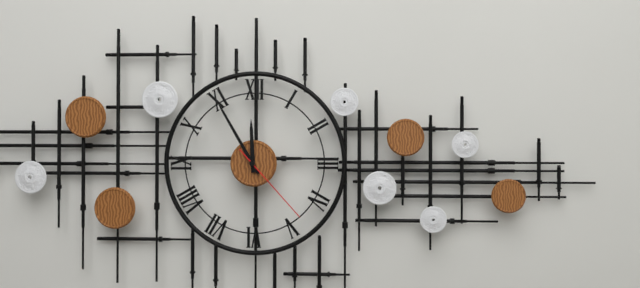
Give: 11:55:23
